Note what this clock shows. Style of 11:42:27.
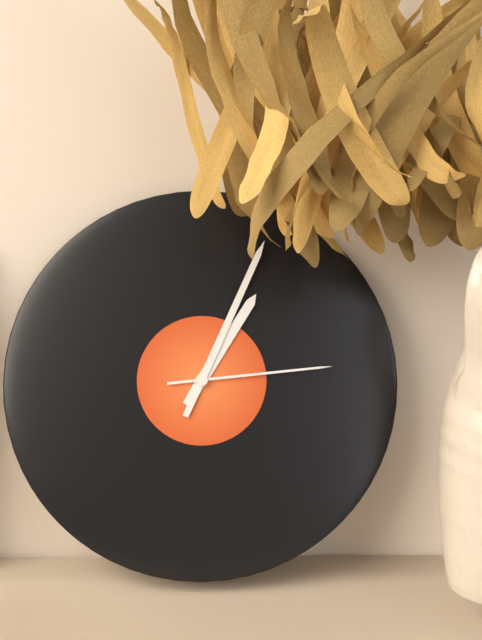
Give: 1:04:14
